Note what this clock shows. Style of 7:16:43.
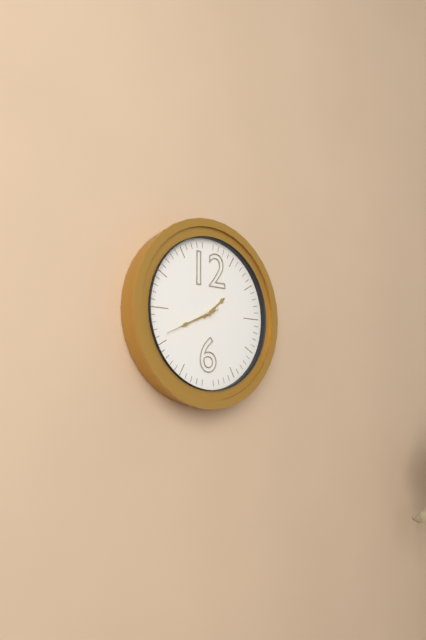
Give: 1:41:41
